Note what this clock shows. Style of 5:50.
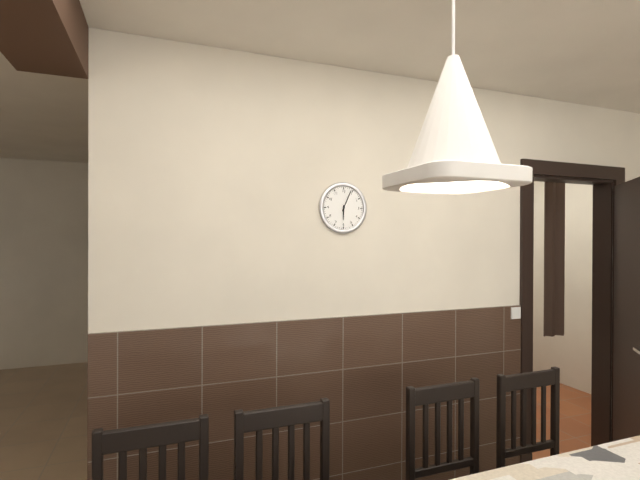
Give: 6:04
